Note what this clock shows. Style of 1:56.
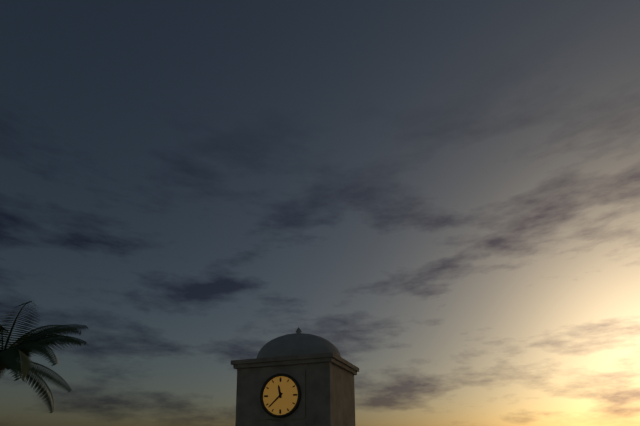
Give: 11:38
